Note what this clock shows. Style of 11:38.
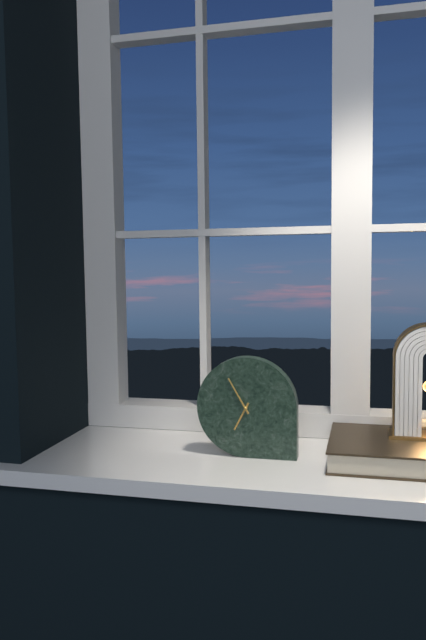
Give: 6:55
